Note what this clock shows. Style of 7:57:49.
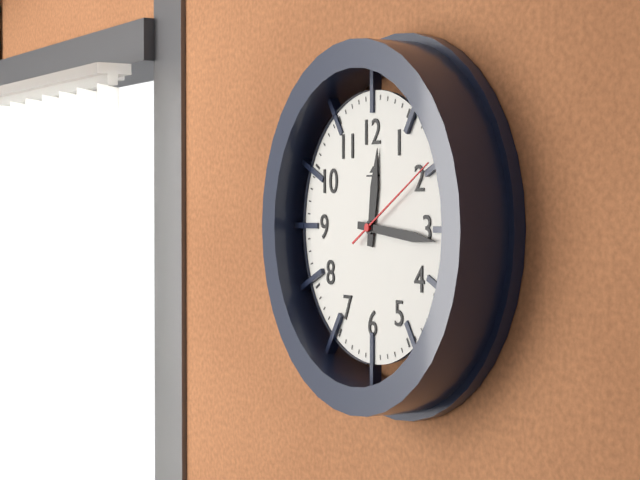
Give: 12:16:10
